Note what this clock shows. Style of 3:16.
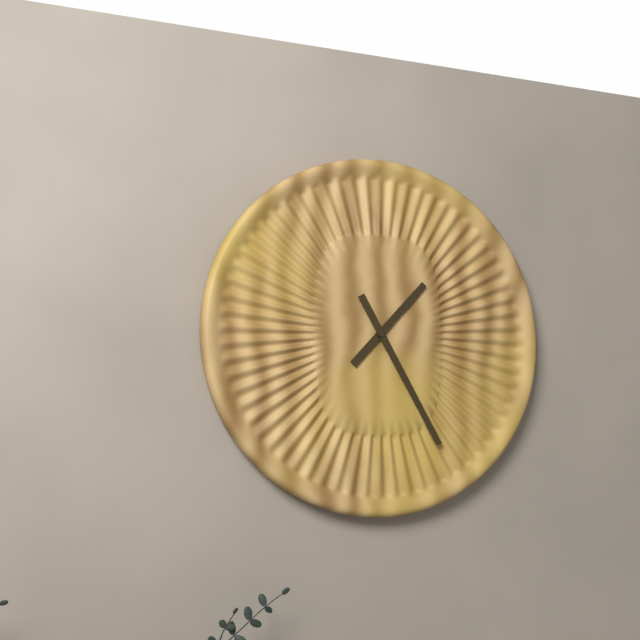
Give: 1:25
